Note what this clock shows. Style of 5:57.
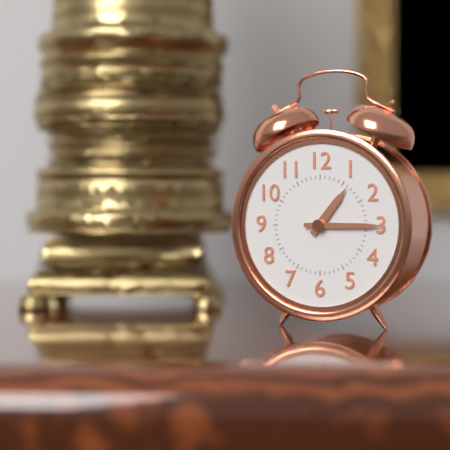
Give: 1:15
